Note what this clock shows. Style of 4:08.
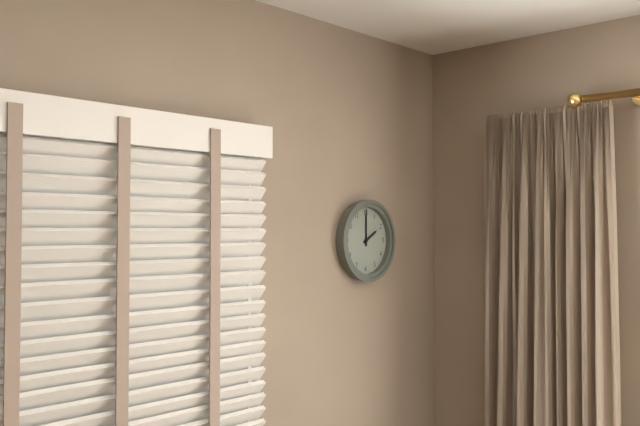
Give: 2:00
